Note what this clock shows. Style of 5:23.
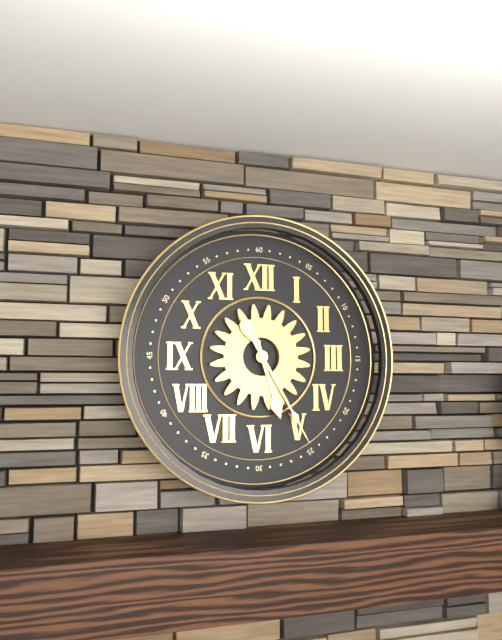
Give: 5:25
